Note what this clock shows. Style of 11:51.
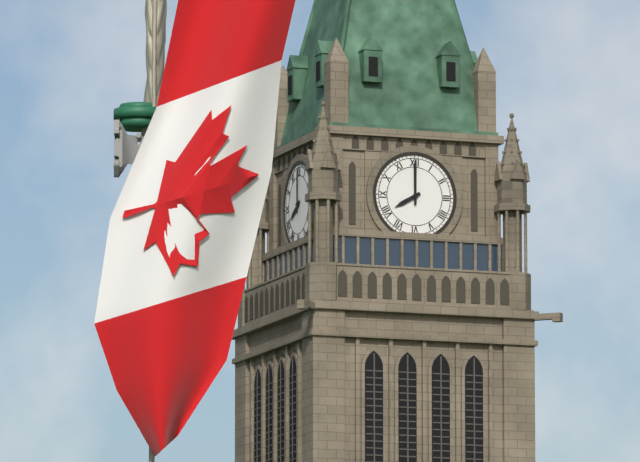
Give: 8:00
